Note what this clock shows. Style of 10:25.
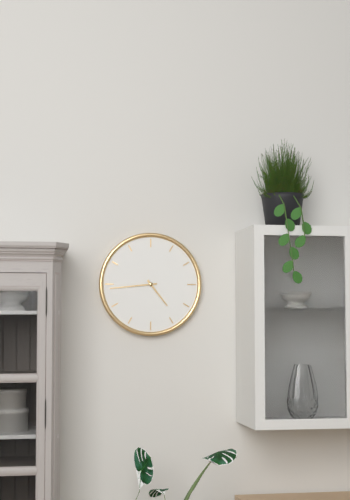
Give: 4:44
